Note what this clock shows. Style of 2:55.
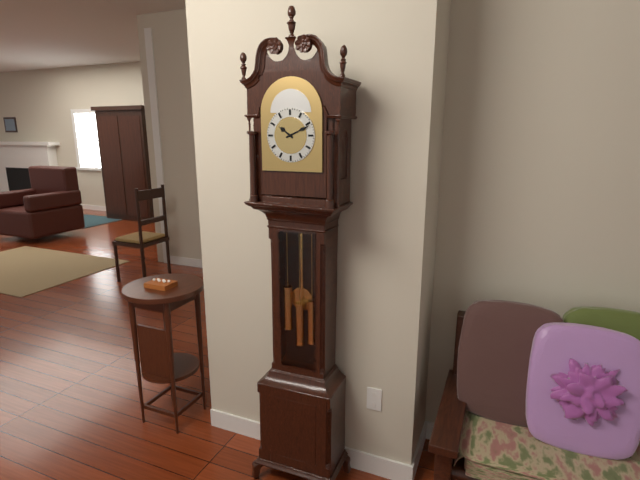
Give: 10:11
